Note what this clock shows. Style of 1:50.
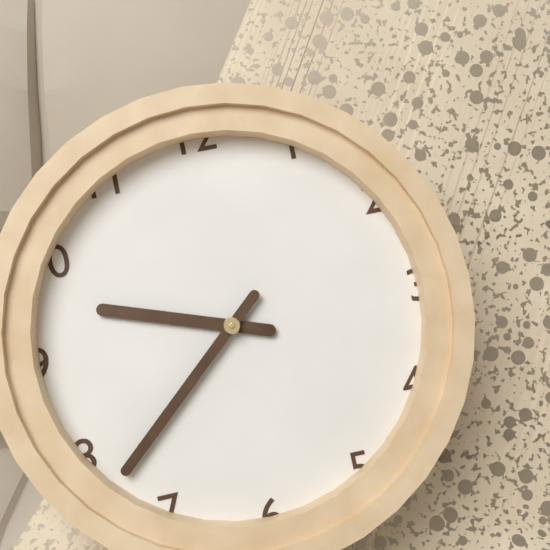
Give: 9:38
